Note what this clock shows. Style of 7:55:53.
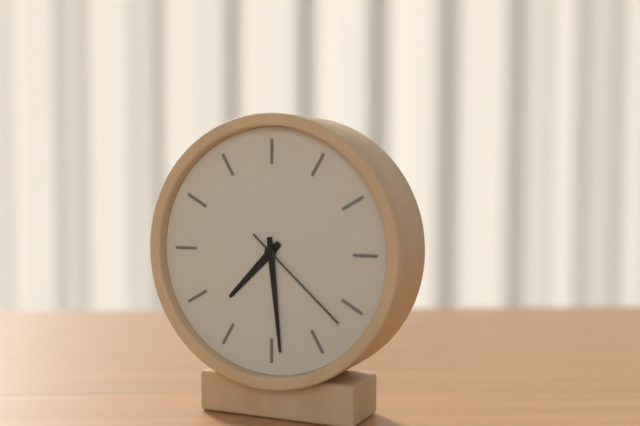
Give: 7:29:22
